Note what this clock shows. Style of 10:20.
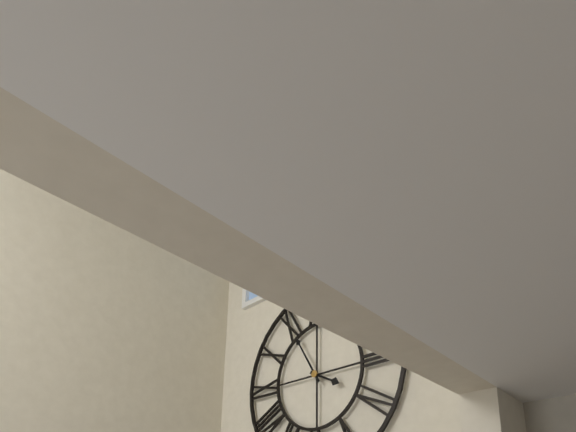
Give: 3:55
